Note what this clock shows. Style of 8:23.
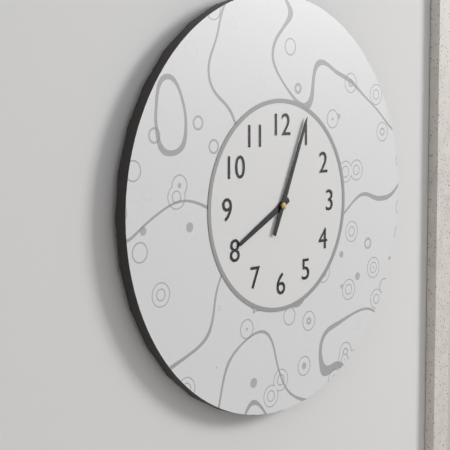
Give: 8:04
